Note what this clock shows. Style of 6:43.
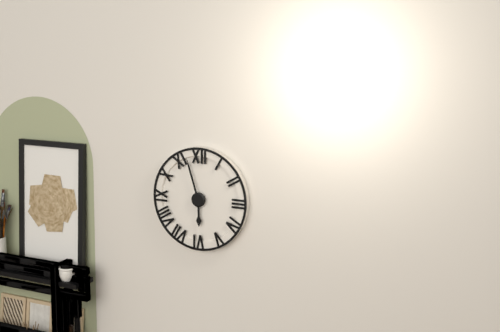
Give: 5:57
